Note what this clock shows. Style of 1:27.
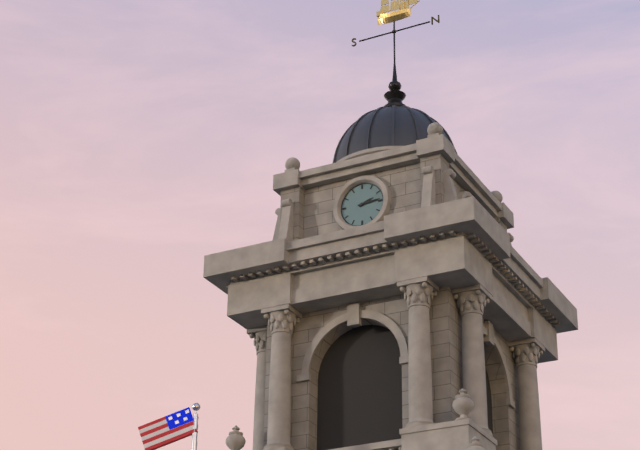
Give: 2:14
